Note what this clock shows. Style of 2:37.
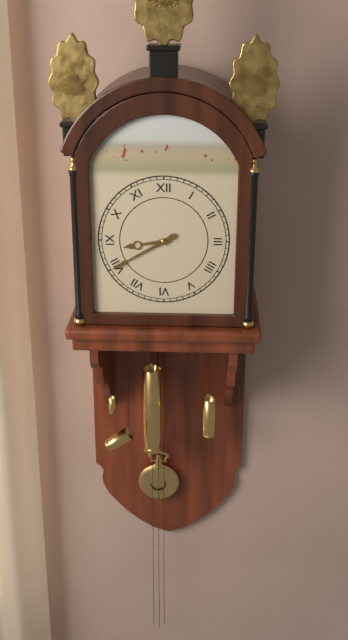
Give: 8:40
